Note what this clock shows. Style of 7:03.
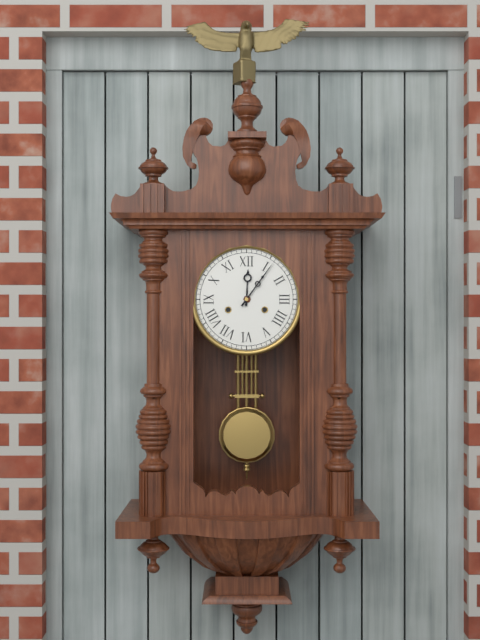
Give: 12:06
